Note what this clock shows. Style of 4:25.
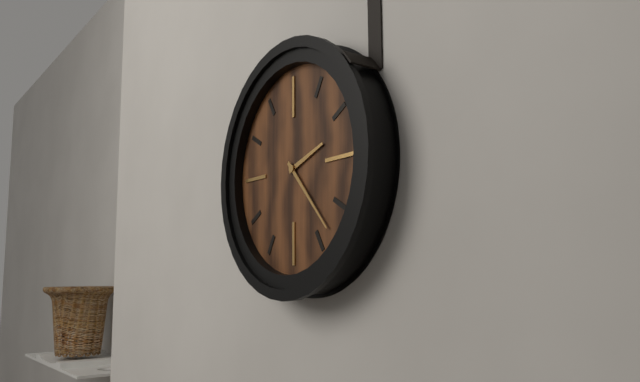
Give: 2:23
